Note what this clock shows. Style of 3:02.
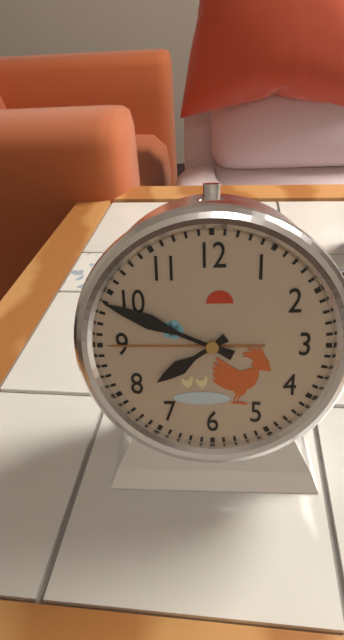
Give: 7:49
